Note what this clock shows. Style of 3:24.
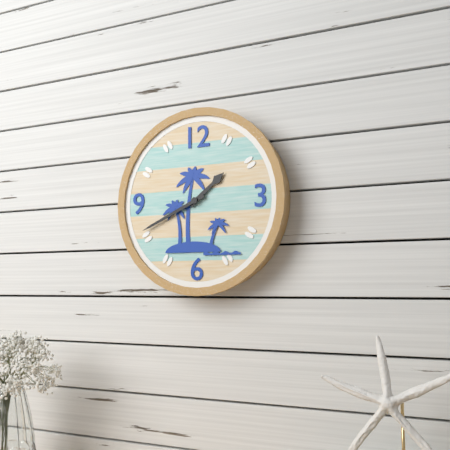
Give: 1:41
